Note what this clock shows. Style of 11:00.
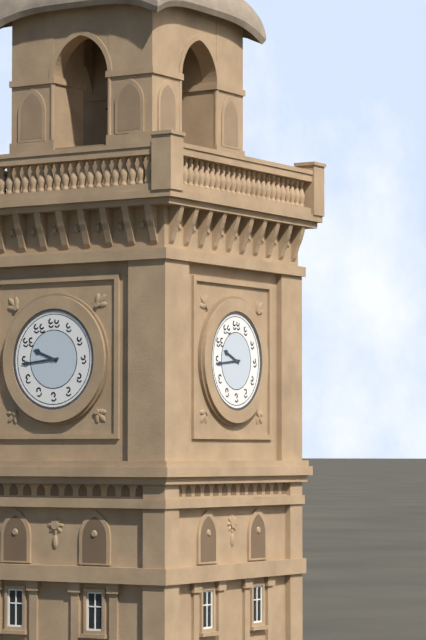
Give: 9:44
